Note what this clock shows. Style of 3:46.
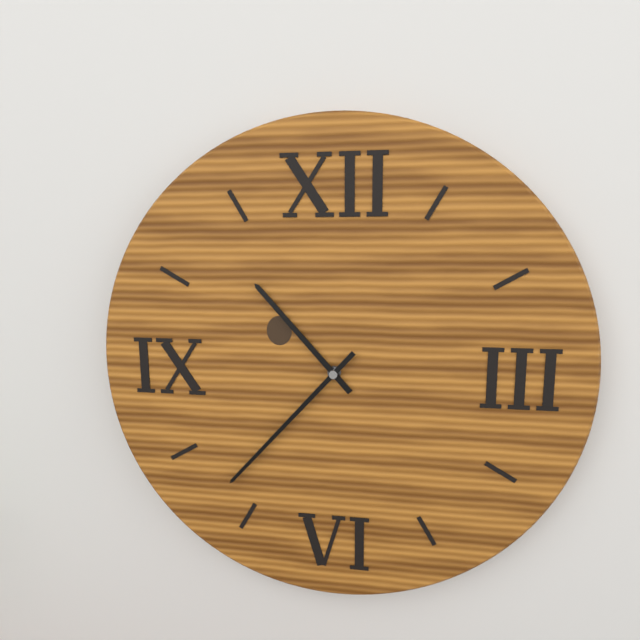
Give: 10:37
